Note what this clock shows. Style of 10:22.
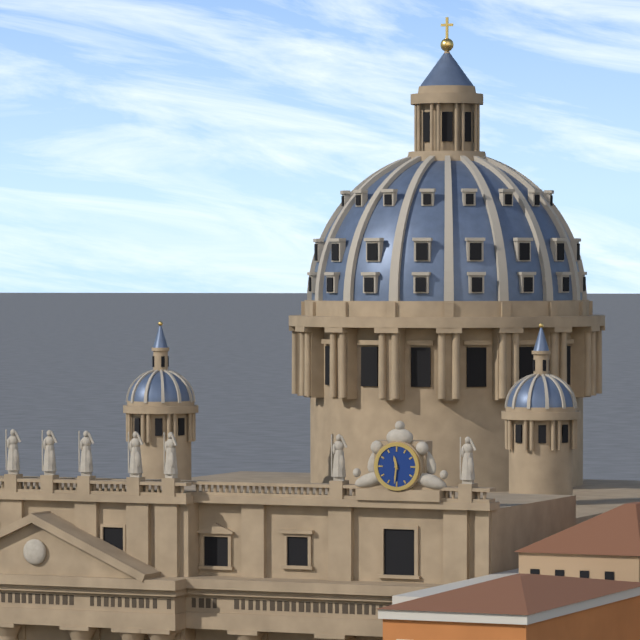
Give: 11:31
